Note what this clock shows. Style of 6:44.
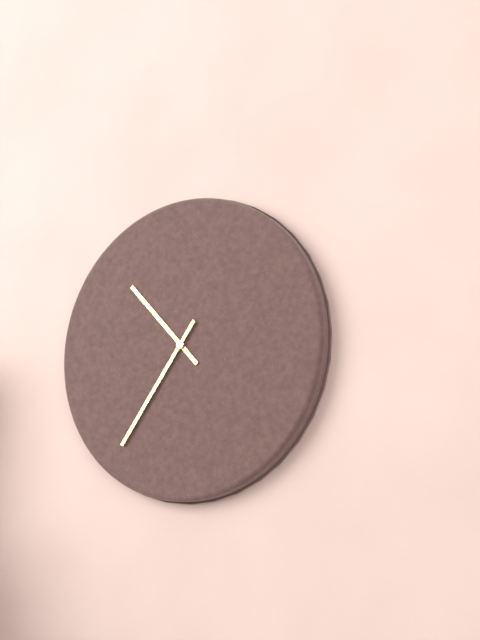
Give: 10:36
